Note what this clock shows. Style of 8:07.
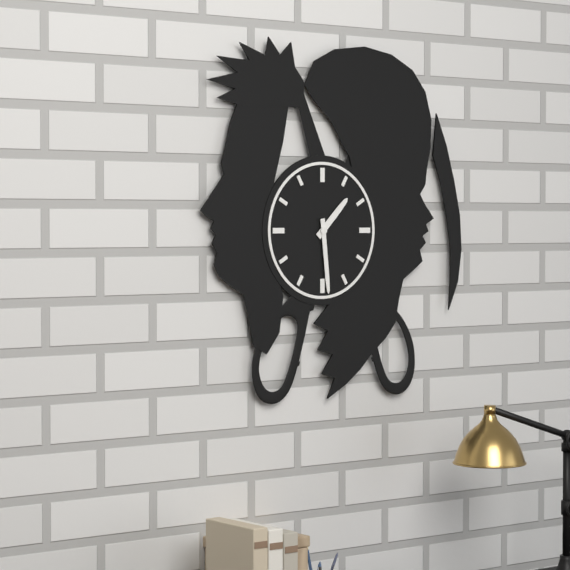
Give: 1:29
